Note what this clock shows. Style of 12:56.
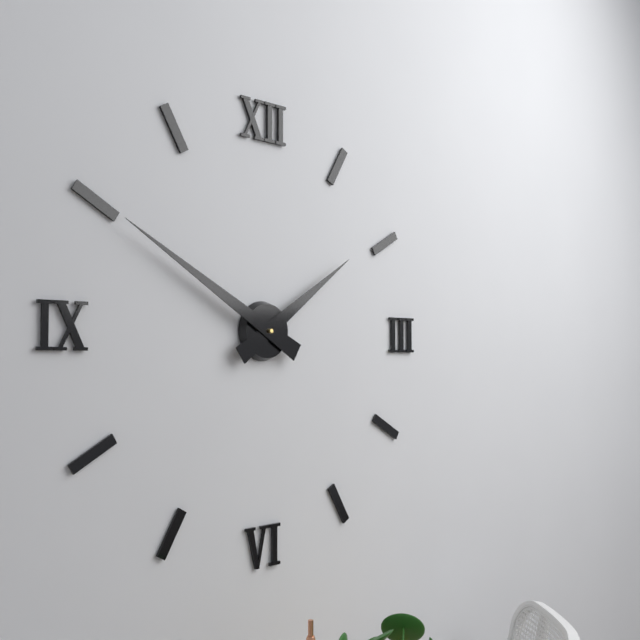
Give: 1:50
